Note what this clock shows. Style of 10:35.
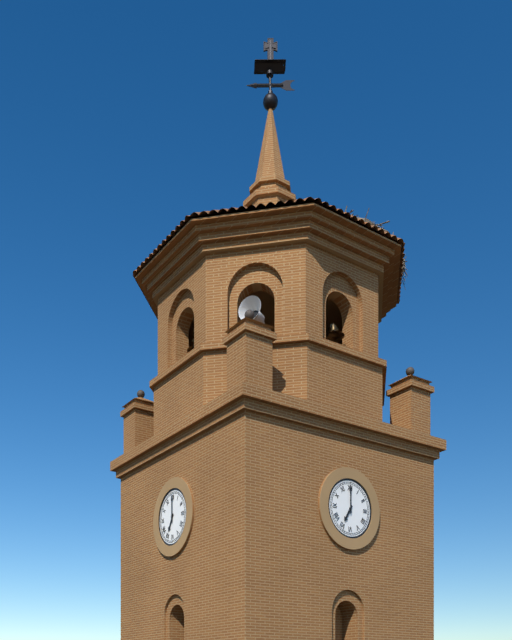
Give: 7:00
